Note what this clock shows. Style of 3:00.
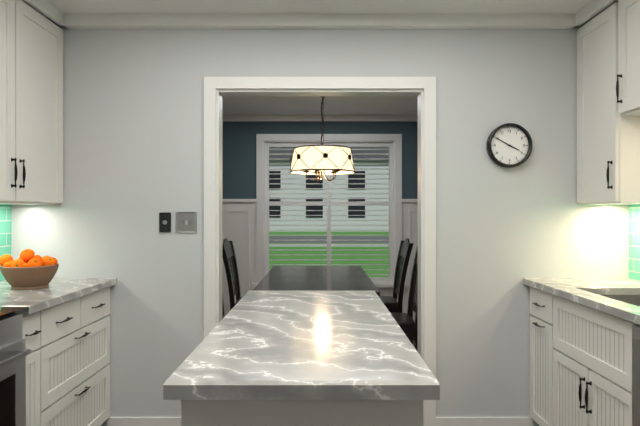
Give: 3:50
